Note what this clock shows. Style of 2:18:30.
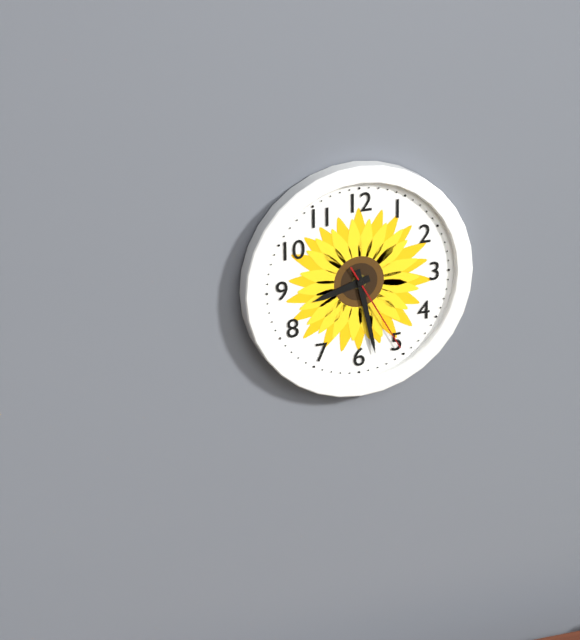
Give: 8:28:25
